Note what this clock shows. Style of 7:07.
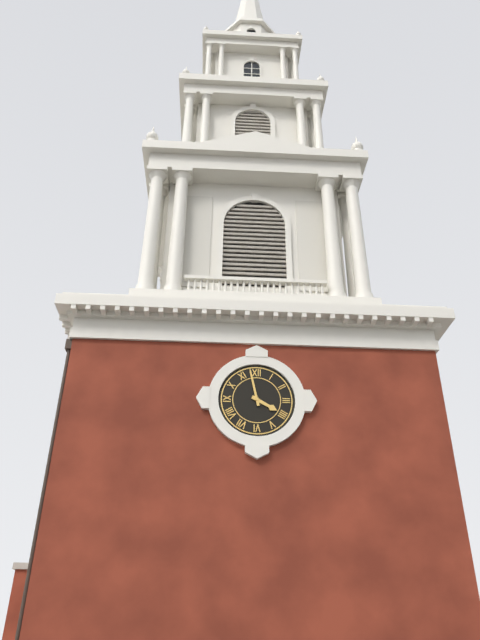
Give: 3:58
